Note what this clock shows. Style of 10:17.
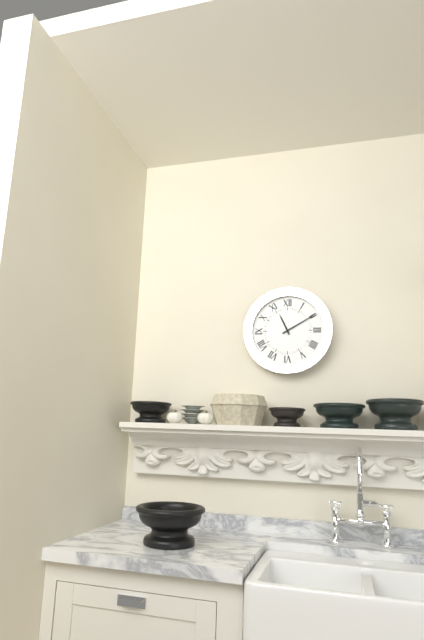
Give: 11:10
